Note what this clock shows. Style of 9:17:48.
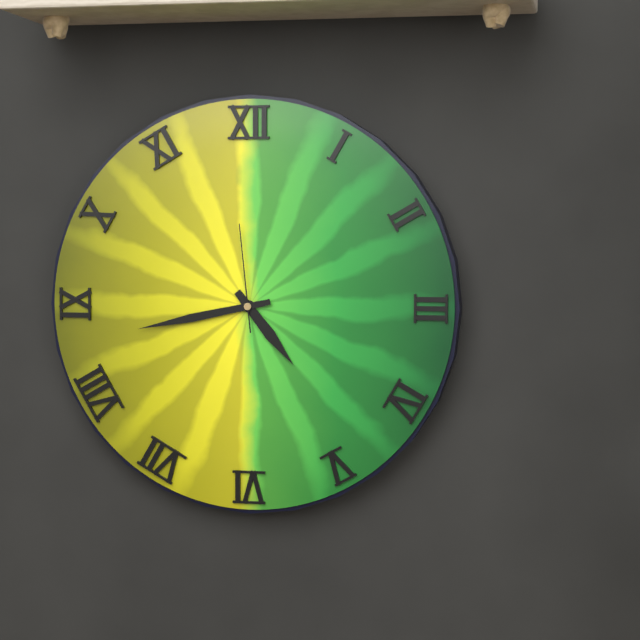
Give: 4:43:59
